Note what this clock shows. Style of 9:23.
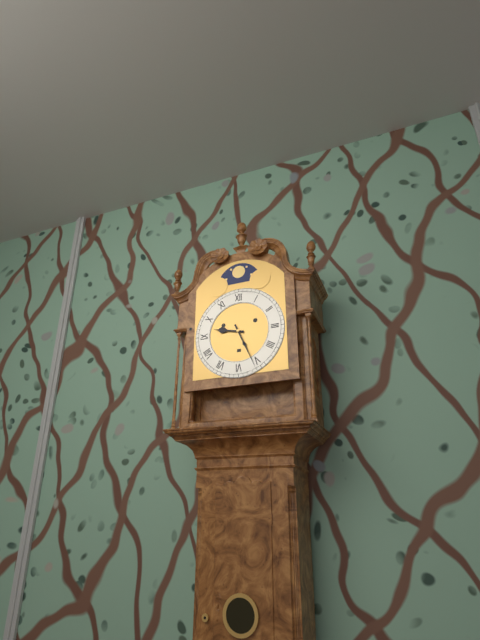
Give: 9:26
